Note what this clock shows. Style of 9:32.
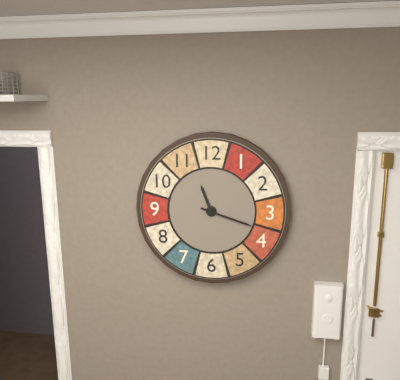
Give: 11:18
